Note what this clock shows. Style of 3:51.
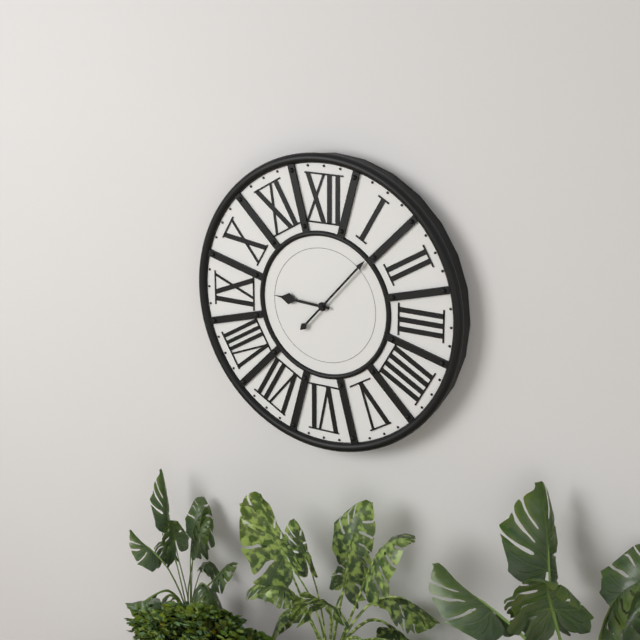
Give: 9:07
